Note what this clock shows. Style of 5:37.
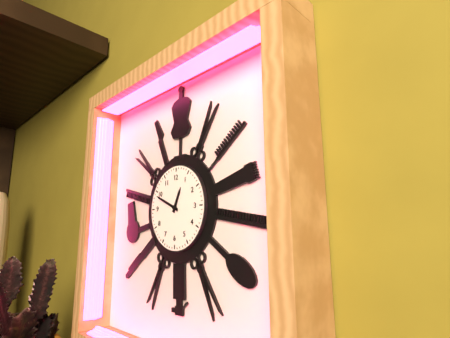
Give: 12:49
